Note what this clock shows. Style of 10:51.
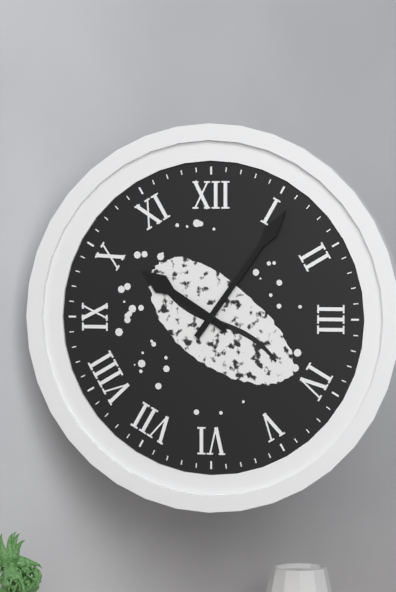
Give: 10:06
